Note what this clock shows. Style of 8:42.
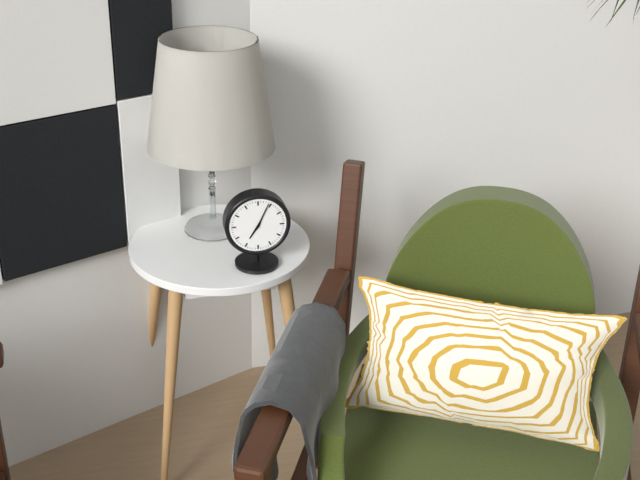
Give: 7:04
